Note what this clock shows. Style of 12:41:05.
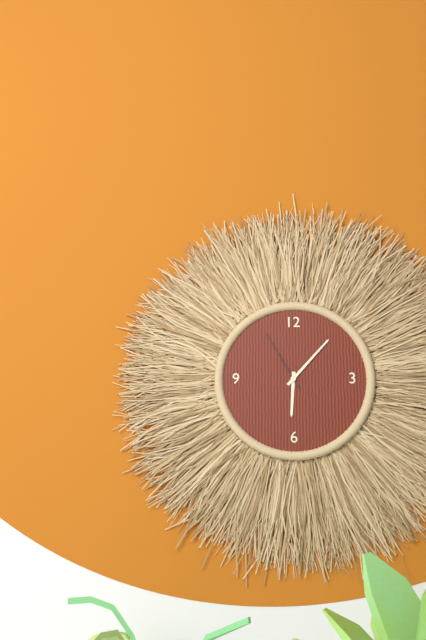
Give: 6:07:55
